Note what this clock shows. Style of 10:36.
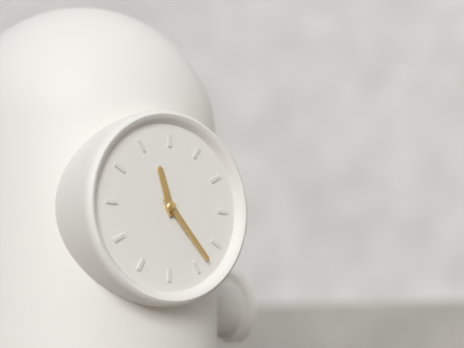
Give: 11:23
